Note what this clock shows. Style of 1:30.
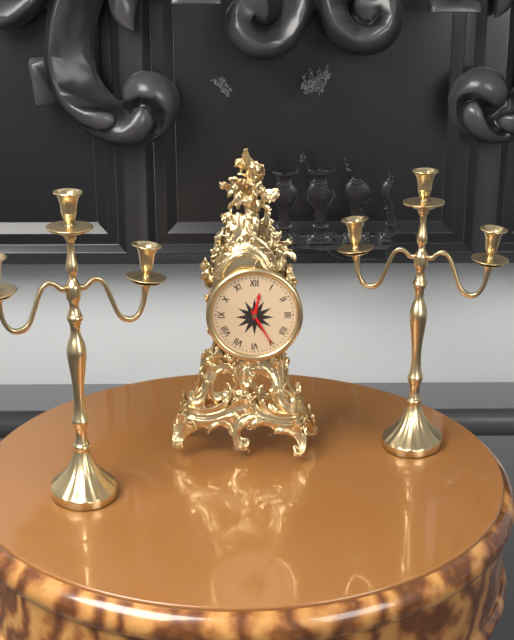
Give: 12:25
